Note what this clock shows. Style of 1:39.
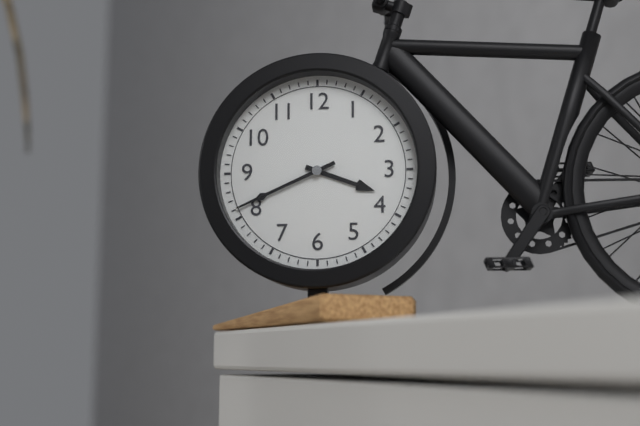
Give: 3:41
